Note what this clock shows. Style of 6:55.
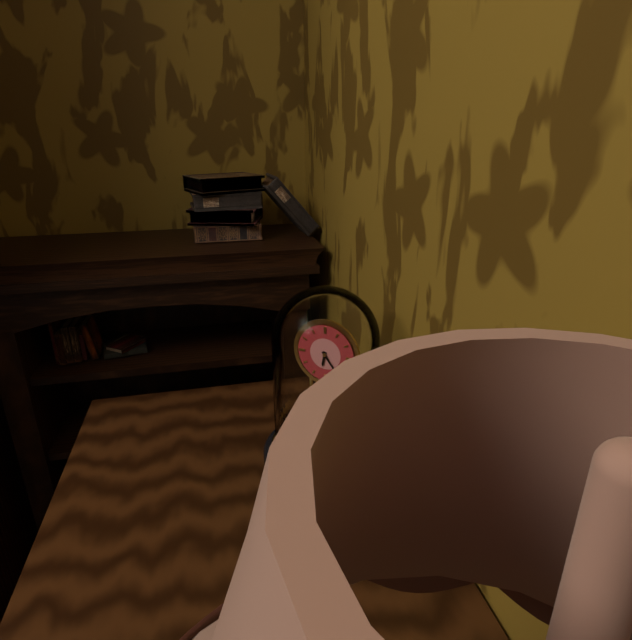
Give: 6:24
